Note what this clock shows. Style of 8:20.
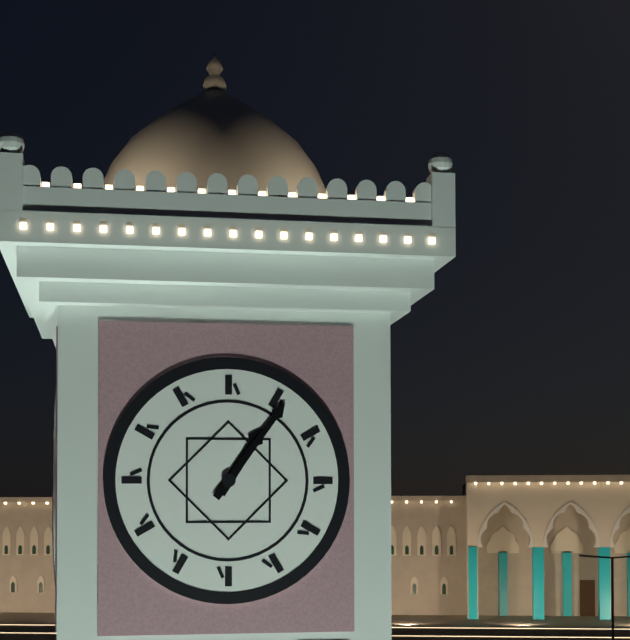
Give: 1:06
